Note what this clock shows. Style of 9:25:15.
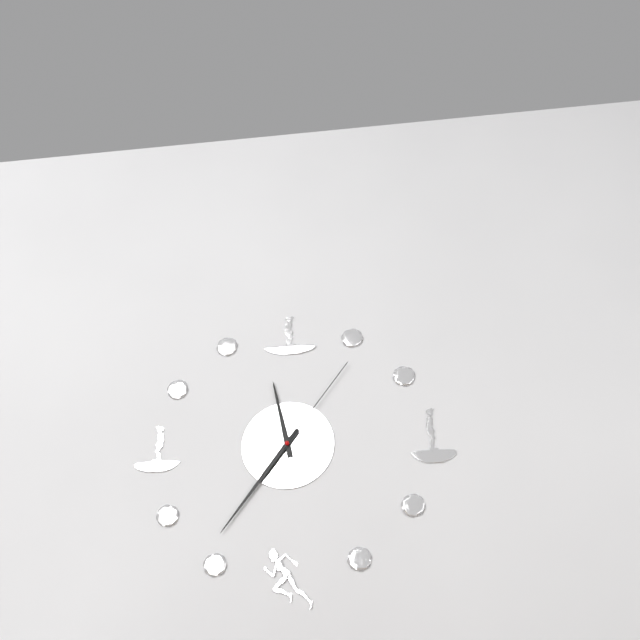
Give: 11:36:06
